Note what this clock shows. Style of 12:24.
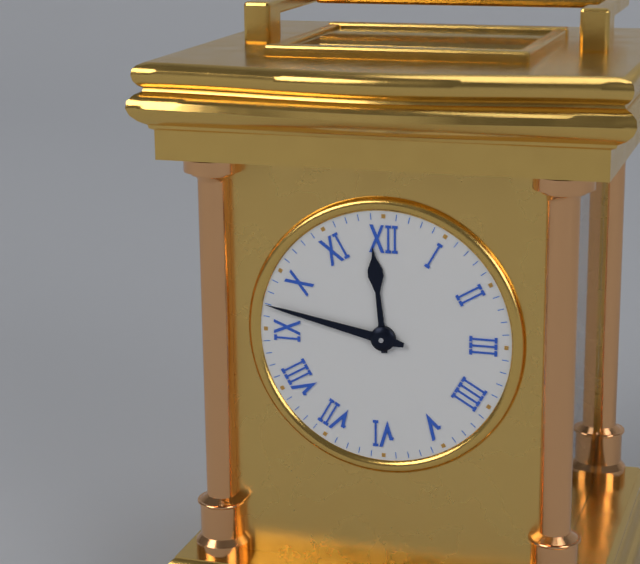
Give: 11:47
